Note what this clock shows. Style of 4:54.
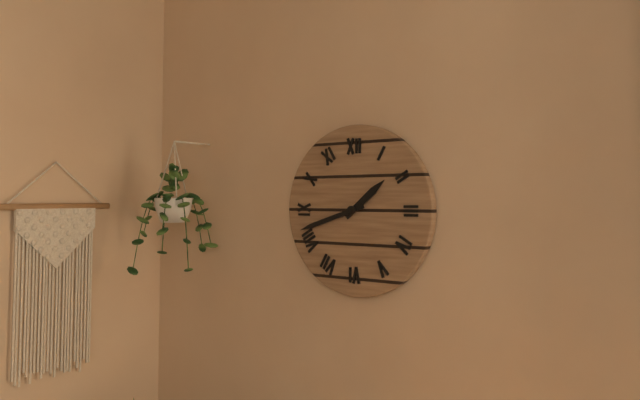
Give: 1:42
